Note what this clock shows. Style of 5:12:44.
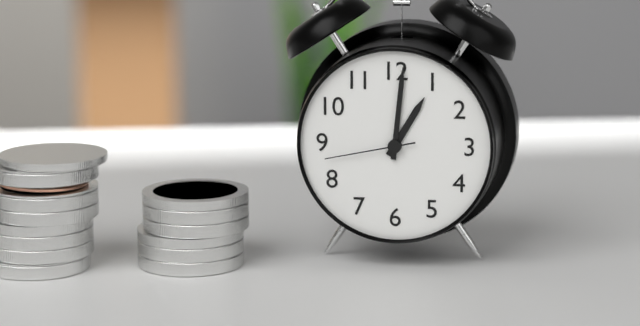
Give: 1:01:43
